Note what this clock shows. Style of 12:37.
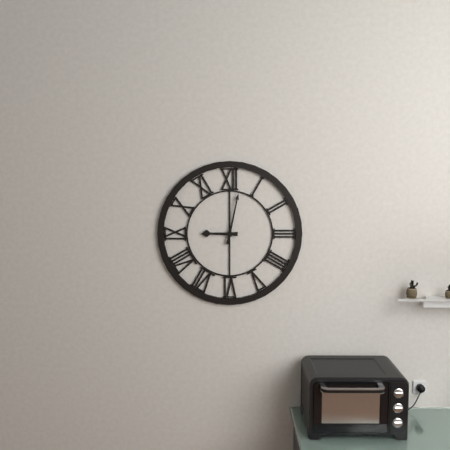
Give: 9:02
